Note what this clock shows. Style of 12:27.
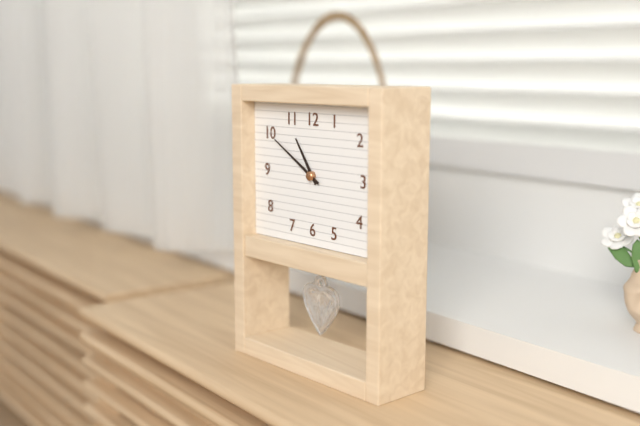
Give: 10:50
